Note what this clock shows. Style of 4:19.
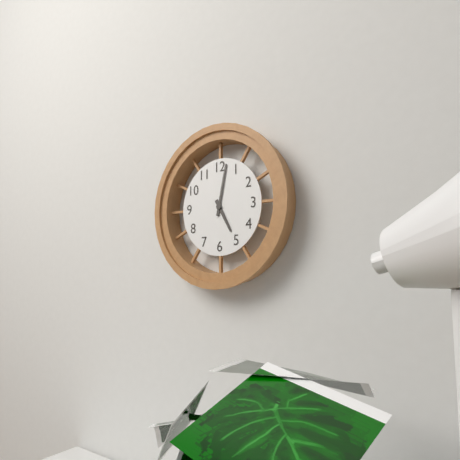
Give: 5:02
